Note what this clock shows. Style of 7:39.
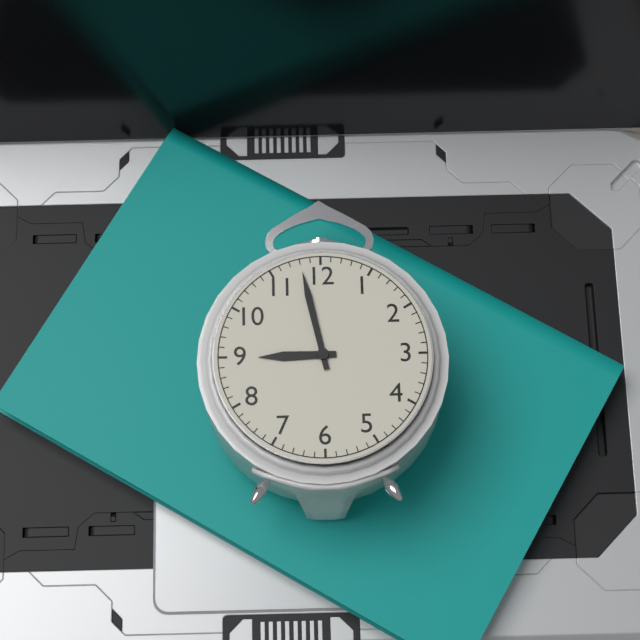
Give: 8:58
